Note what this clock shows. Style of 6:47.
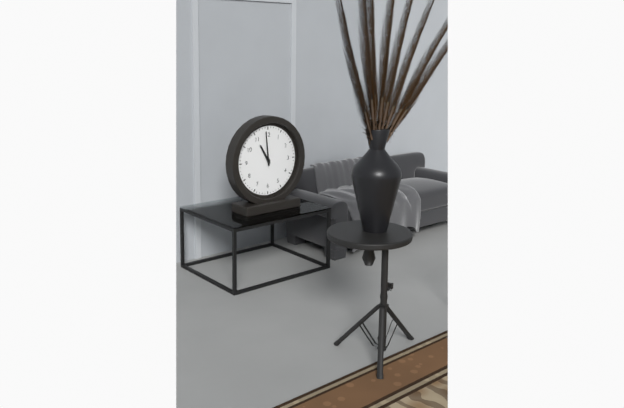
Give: 10:59
